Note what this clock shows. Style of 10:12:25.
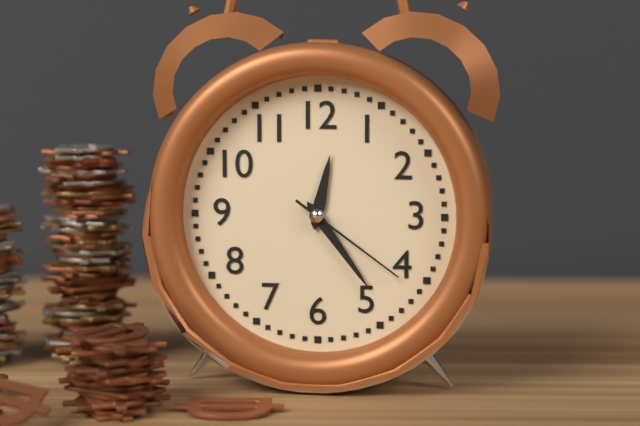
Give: 12:24:21
